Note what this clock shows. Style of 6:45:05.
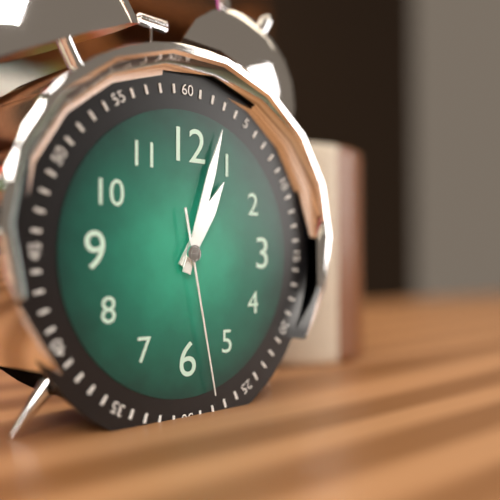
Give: 1:03:28
